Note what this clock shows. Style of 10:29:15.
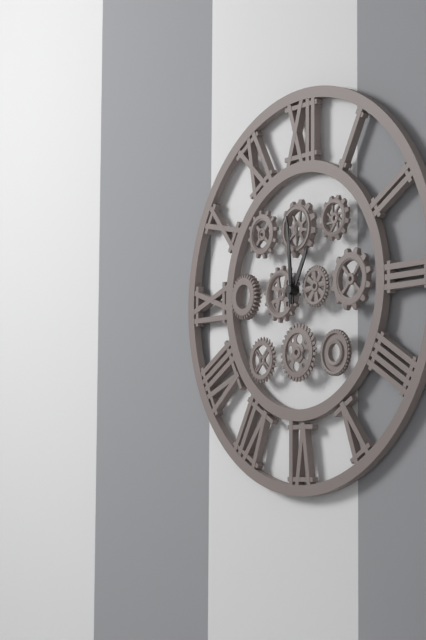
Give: 12:59:00
